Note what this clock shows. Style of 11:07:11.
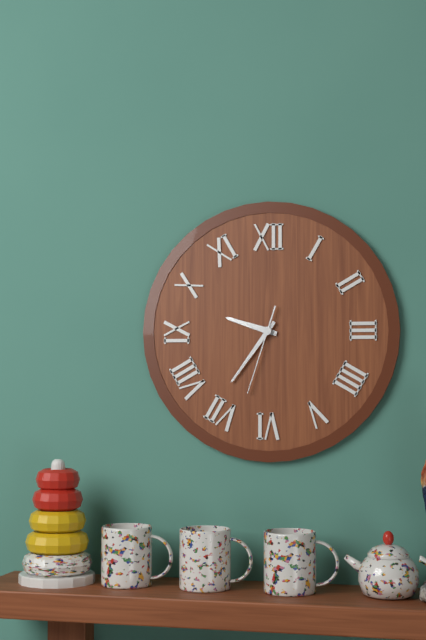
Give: 9:36:33
